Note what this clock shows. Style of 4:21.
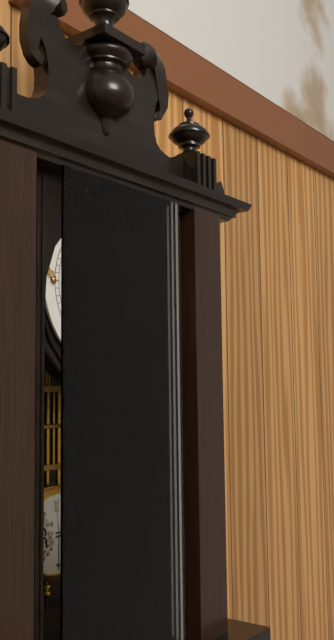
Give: 12:58
